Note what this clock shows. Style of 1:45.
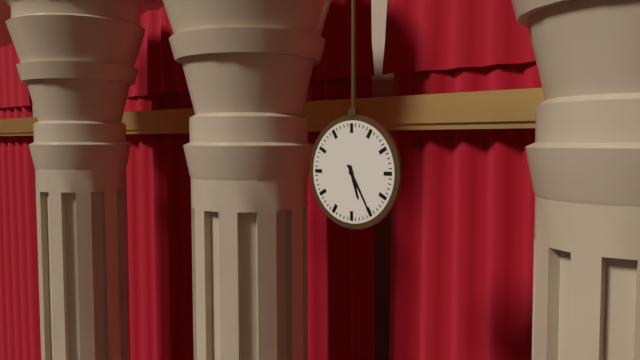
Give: 5:25
